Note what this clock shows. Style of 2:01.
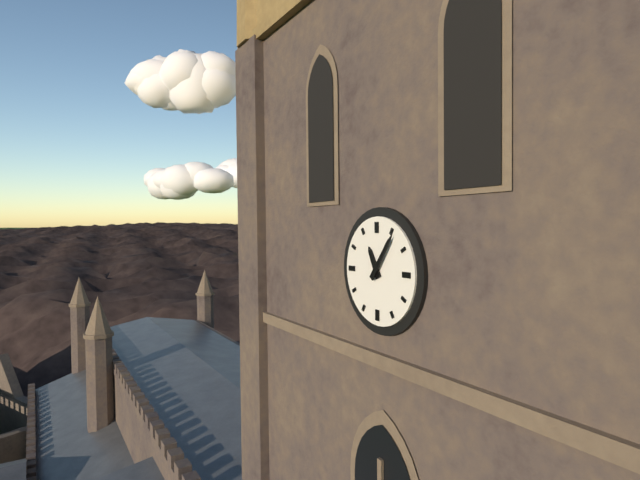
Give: 11:06
